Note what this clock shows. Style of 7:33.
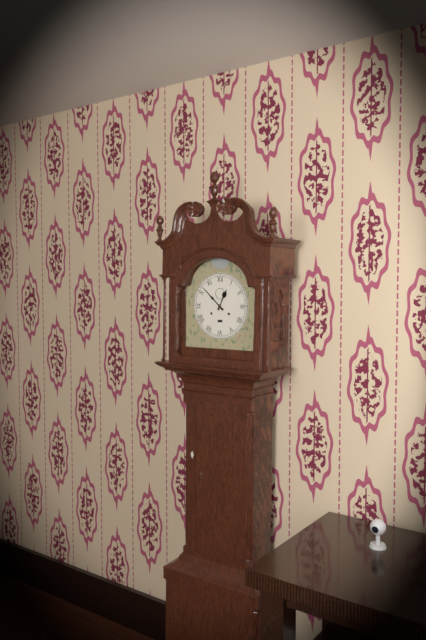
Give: 12:52
